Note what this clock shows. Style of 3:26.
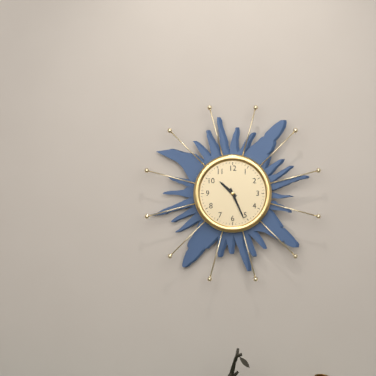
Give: 10:26
